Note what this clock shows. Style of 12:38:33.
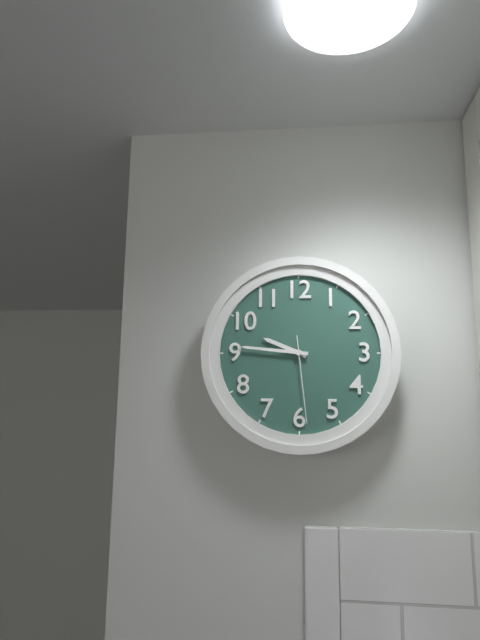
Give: 9:46:29
